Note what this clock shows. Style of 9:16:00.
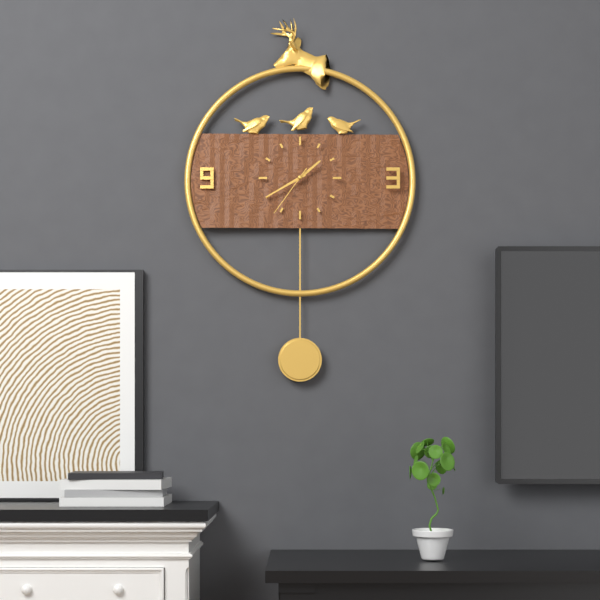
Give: 1:40:36
